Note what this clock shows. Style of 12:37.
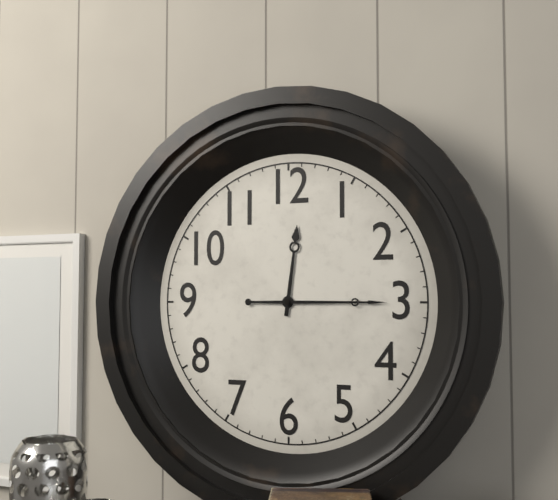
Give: 12:15
